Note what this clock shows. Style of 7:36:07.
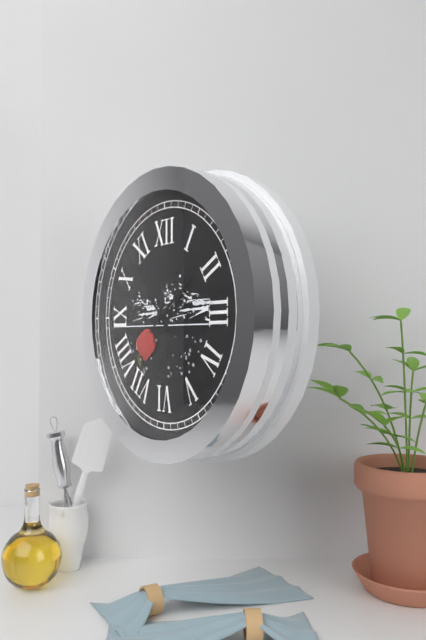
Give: 1:53:13
